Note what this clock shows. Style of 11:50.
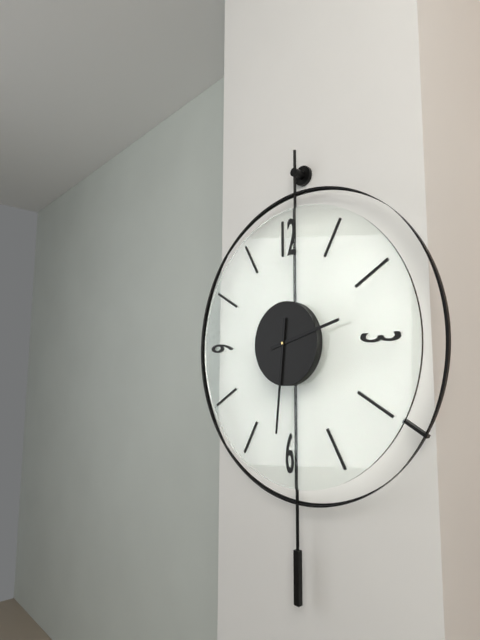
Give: 2:31
